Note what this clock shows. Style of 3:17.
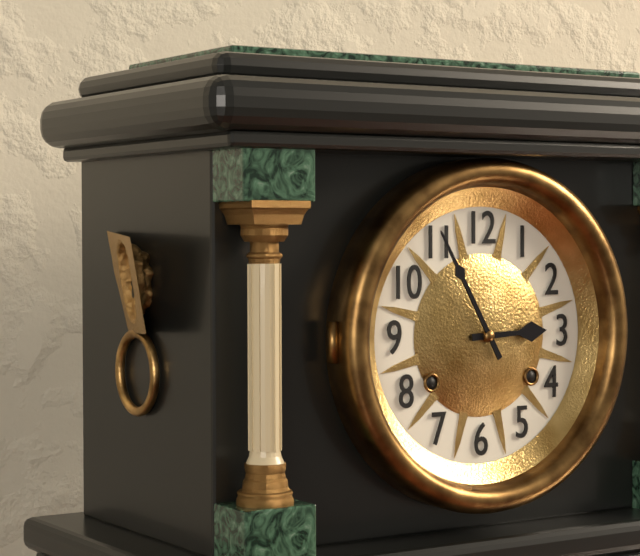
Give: 2:55
